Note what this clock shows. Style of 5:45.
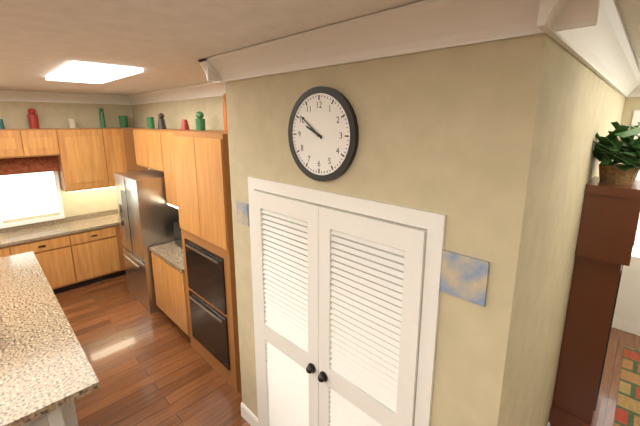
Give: 9:51
